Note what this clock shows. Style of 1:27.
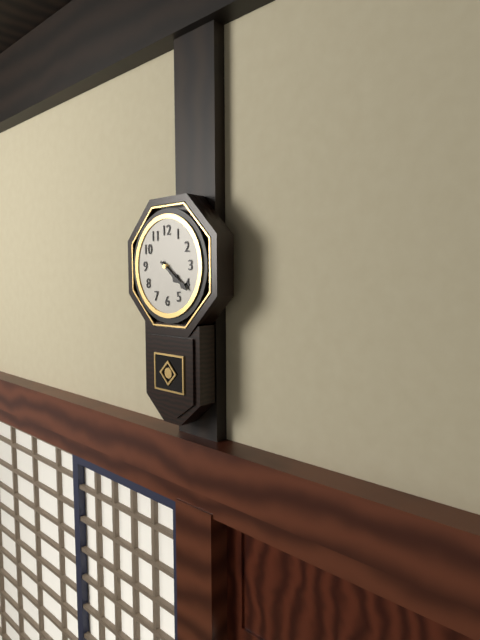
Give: 4:21
